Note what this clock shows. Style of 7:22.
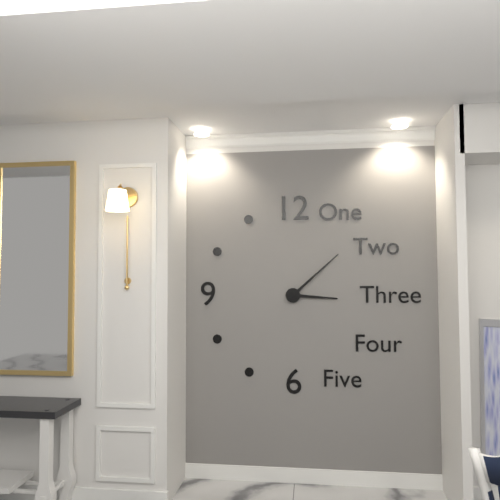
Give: 3:08
